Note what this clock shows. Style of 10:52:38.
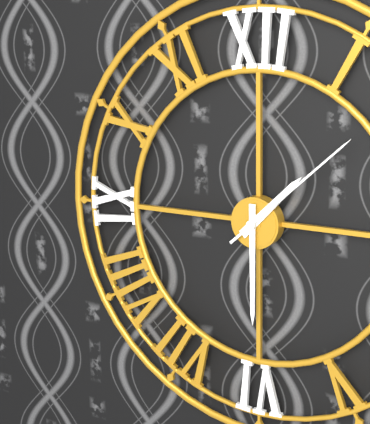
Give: 1:30:08
